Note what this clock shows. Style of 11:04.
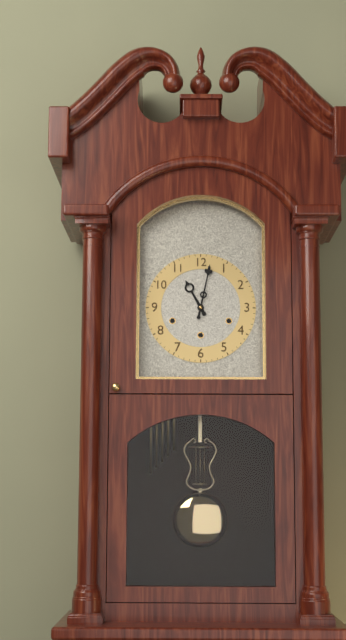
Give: 11:02
